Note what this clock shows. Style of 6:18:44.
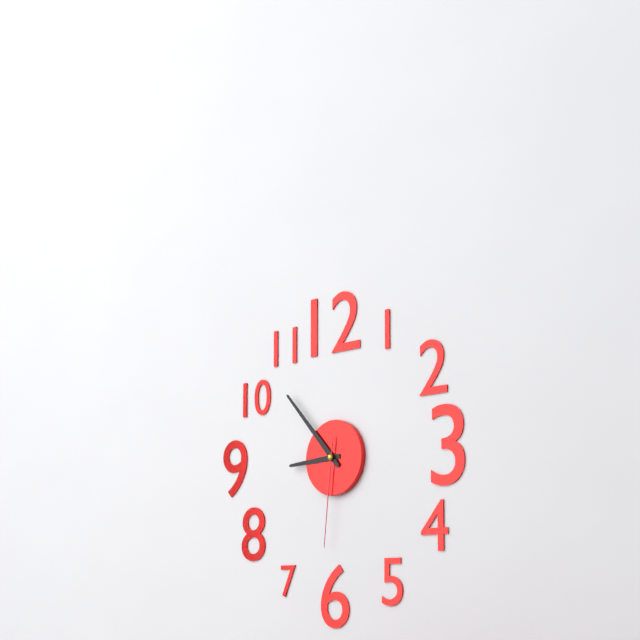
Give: 8:53:31
